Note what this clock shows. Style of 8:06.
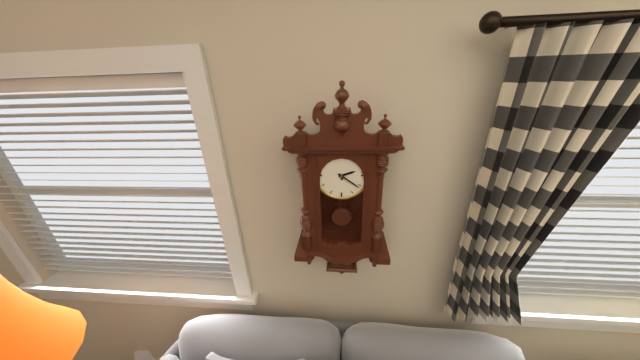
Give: 2:21
